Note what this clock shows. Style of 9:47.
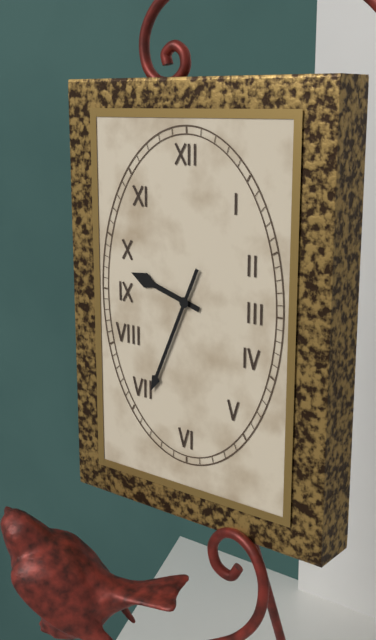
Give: 9:34
